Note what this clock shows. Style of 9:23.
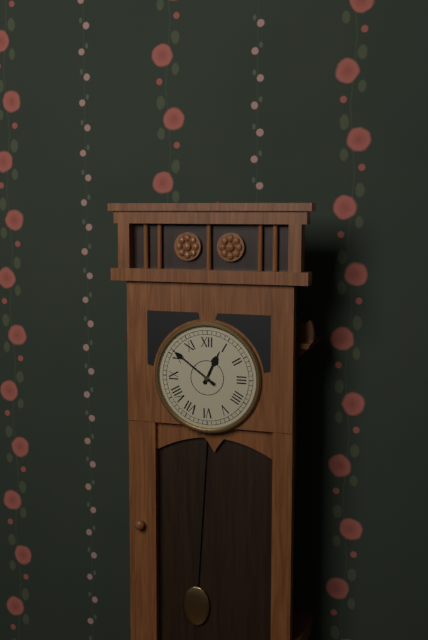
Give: 12:51
